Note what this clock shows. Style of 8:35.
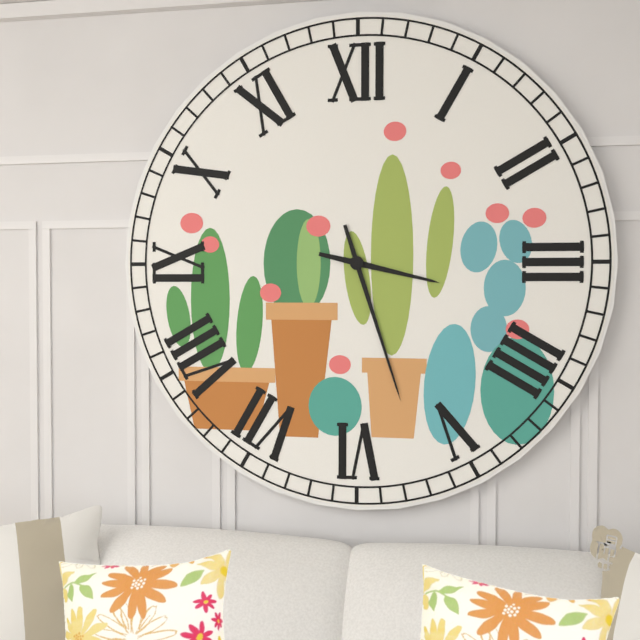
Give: 3:27
